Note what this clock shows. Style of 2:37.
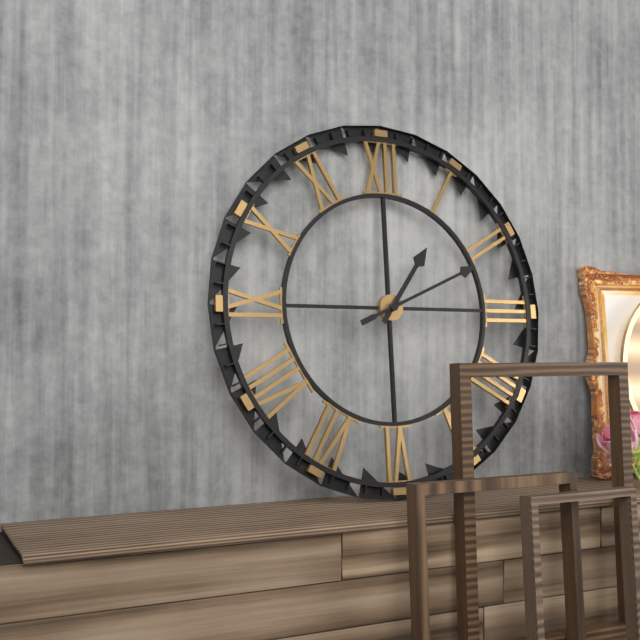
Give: 1:11
